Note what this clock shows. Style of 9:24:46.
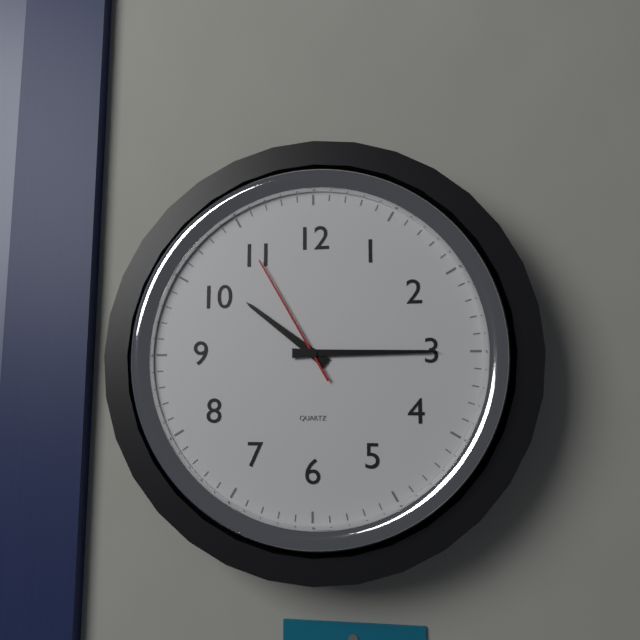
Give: 10:15:55
